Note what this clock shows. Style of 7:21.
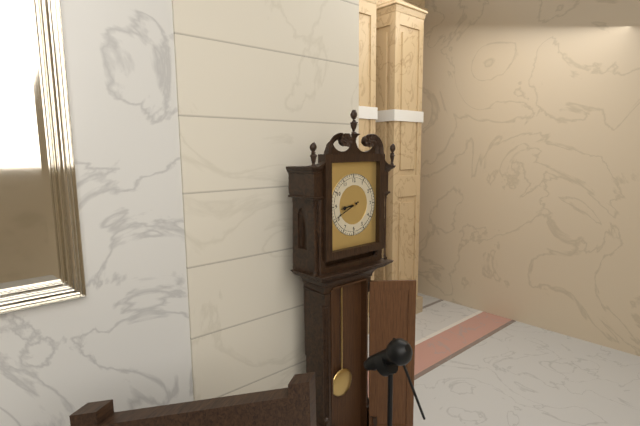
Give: 8:41
